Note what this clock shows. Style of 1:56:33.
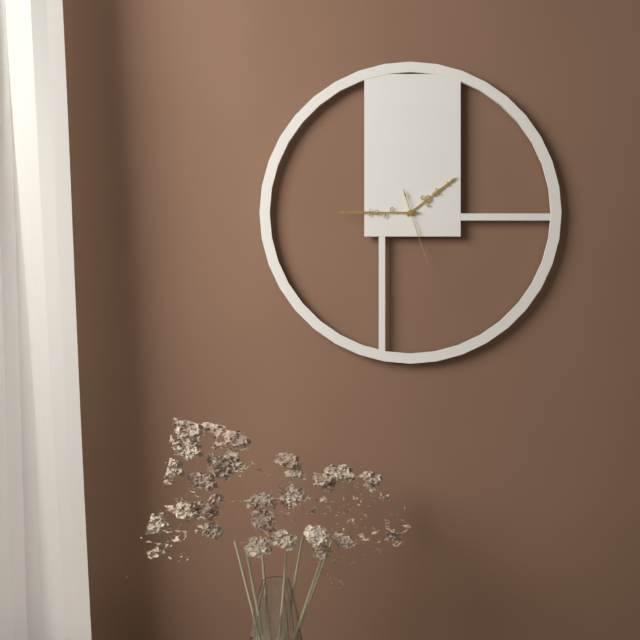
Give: 1:45:27
